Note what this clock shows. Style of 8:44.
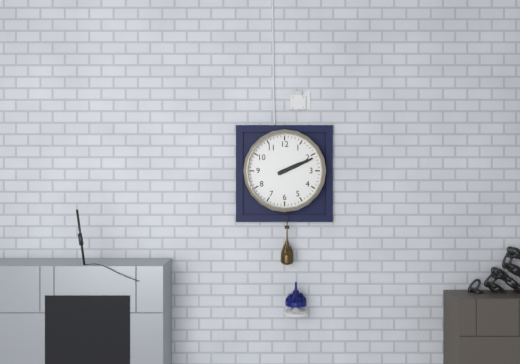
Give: 2:11
